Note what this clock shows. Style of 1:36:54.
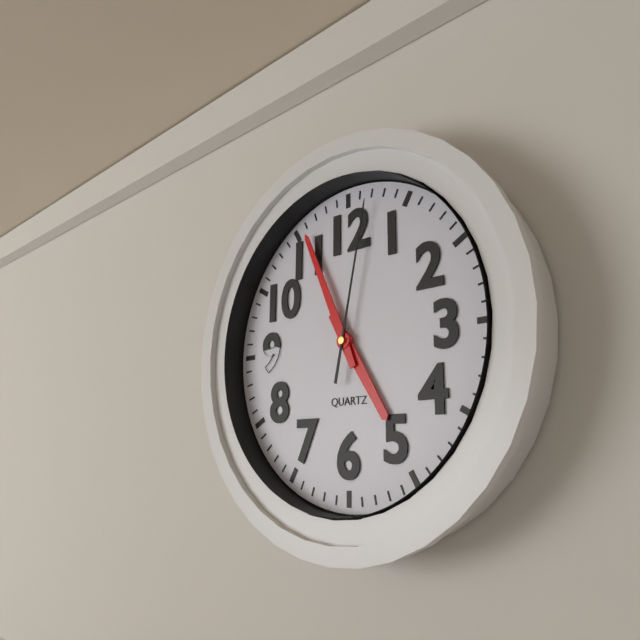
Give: 4:56:02
